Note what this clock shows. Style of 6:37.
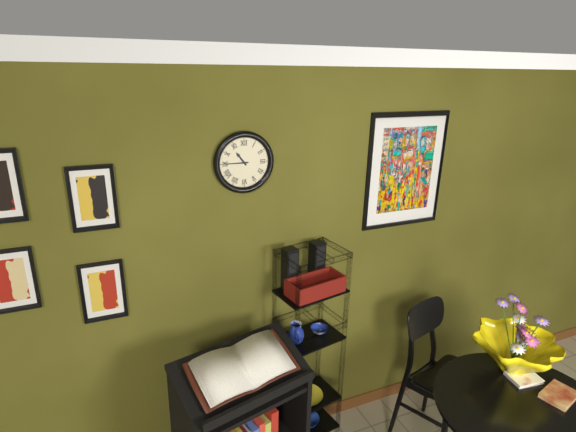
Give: 10:45
